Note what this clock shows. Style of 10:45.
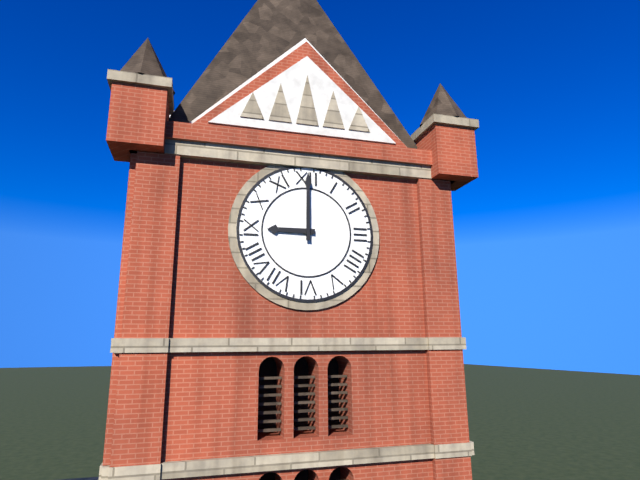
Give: 9:00
